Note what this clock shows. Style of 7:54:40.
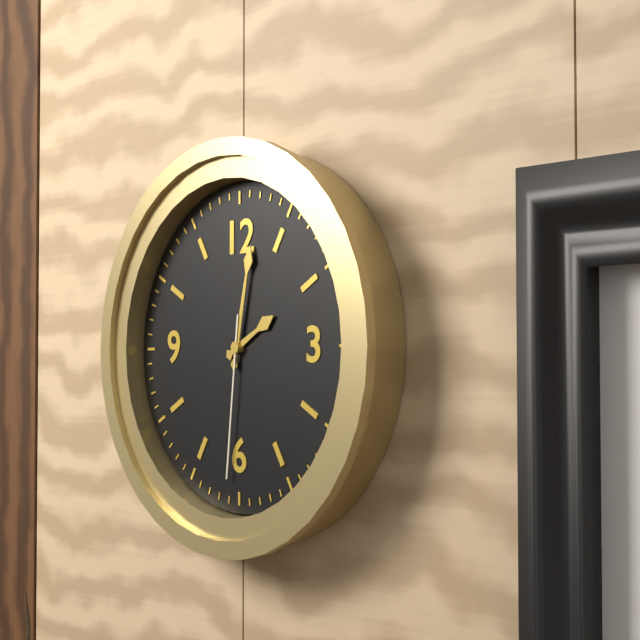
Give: 2:02:31
